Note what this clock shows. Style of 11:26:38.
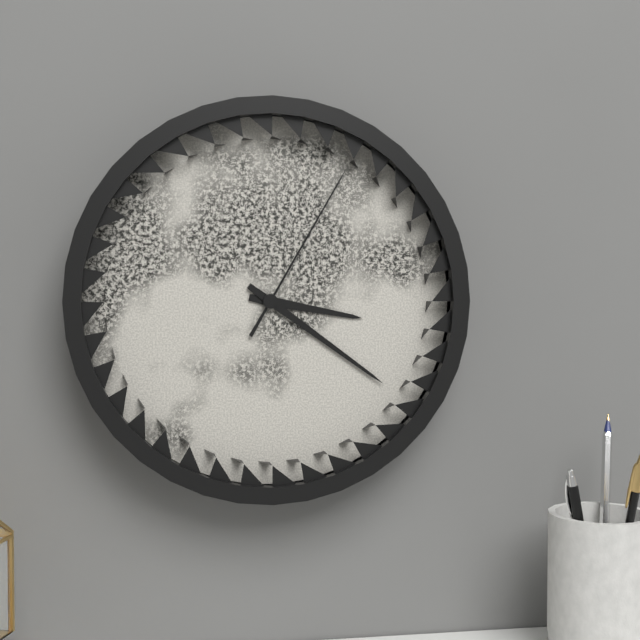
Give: 3:21:05
